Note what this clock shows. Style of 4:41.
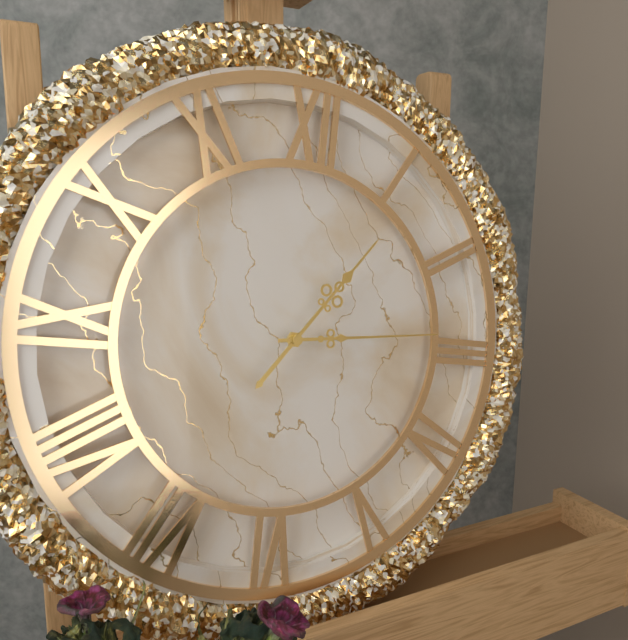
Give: 1:14
